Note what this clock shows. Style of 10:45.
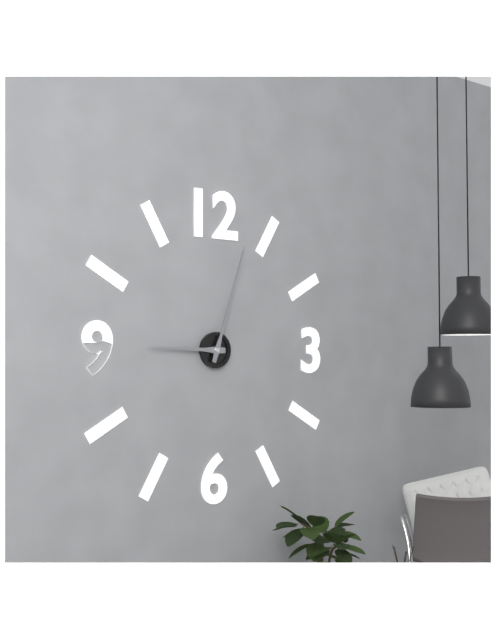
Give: 9:03
